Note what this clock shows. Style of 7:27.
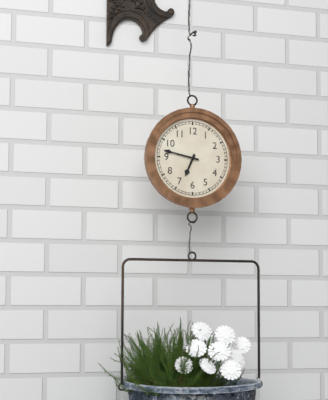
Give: 6:47
